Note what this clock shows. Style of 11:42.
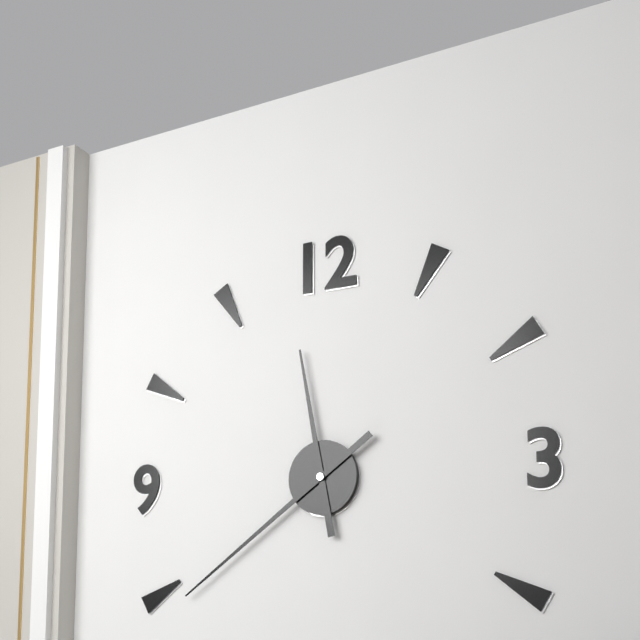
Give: 11:39
